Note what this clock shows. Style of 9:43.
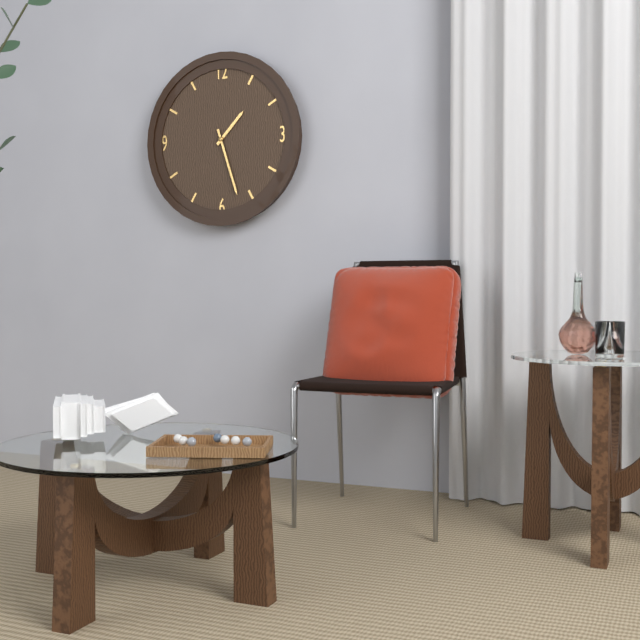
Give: 1:27
